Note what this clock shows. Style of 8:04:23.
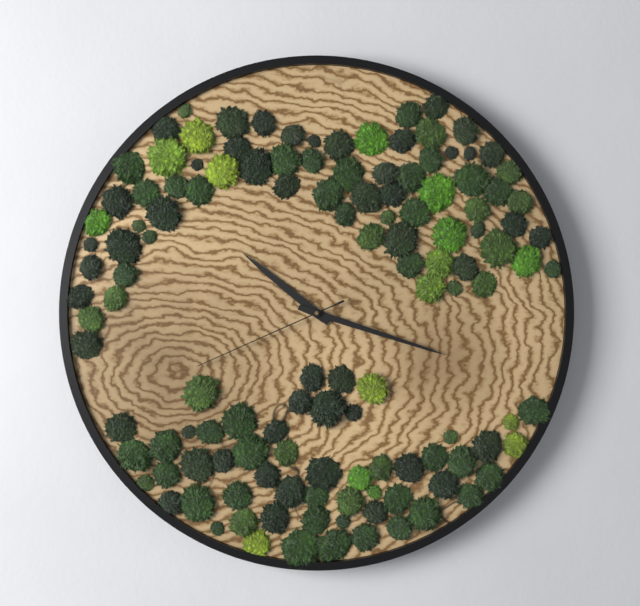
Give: 10:18:41
